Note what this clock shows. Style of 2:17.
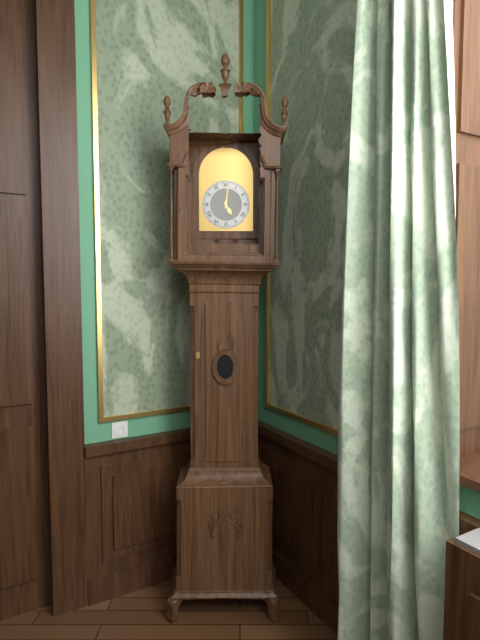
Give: 5:01
